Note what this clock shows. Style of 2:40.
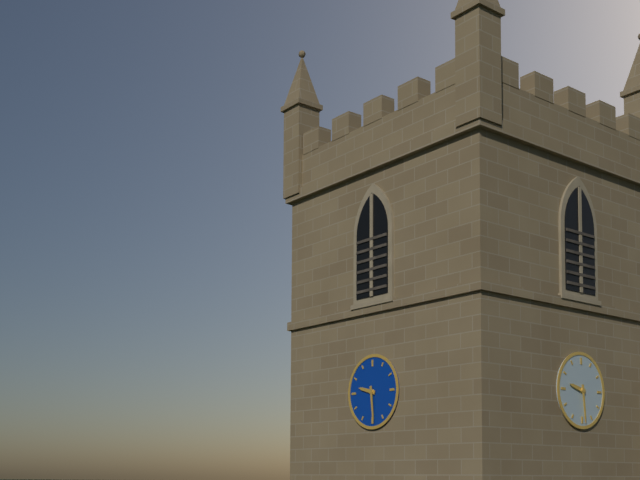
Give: 9:29
